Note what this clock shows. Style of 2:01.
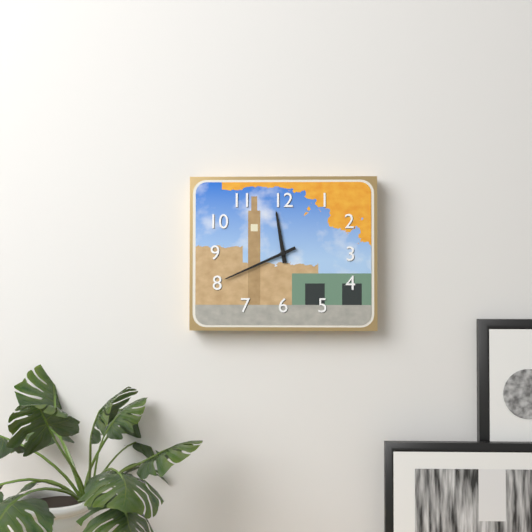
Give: 11:41
